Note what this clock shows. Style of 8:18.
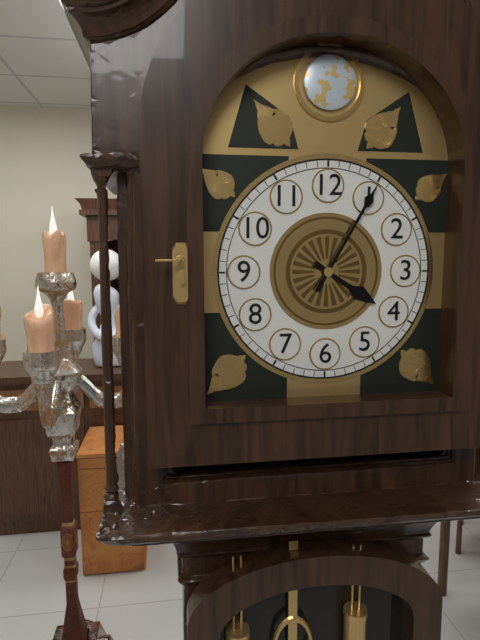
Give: 4:05
